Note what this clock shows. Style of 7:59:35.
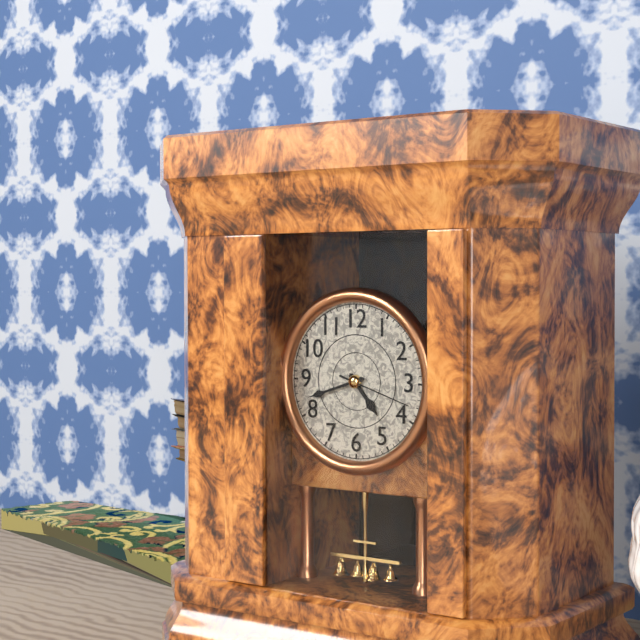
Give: 4:42:18
